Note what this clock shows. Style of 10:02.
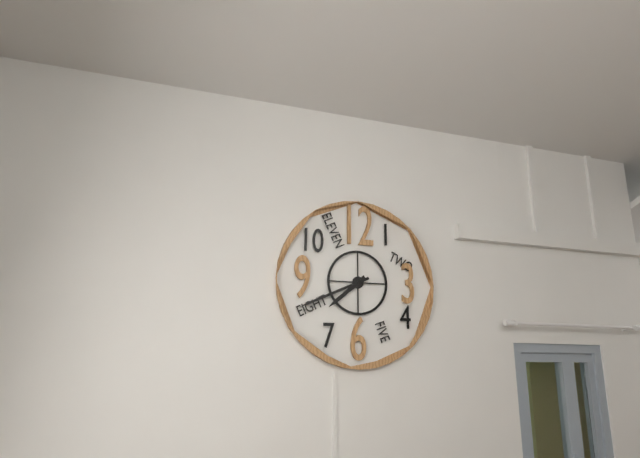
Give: 7:41
